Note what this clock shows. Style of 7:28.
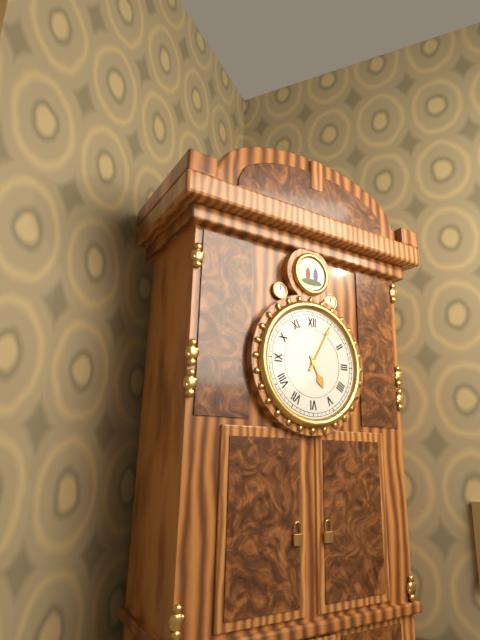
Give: 5:05
